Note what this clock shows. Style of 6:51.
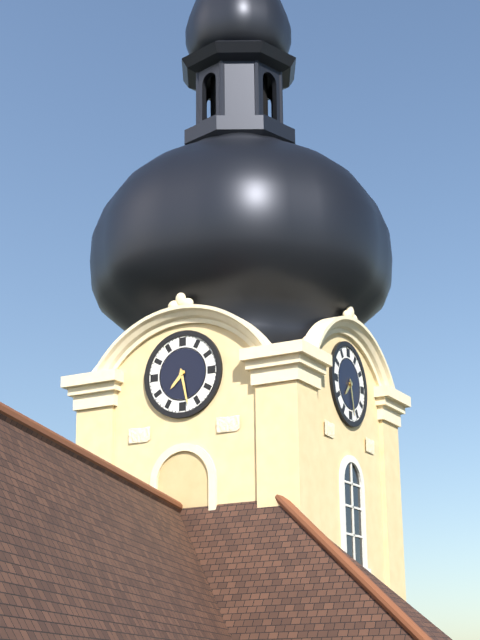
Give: 7:28
